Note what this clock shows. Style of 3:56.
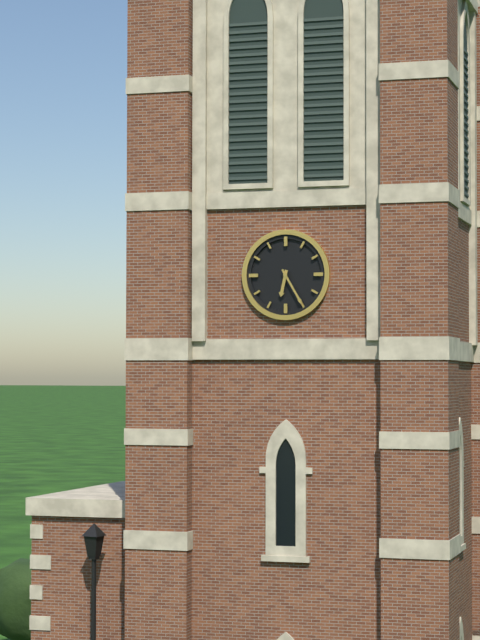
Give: 6:25
